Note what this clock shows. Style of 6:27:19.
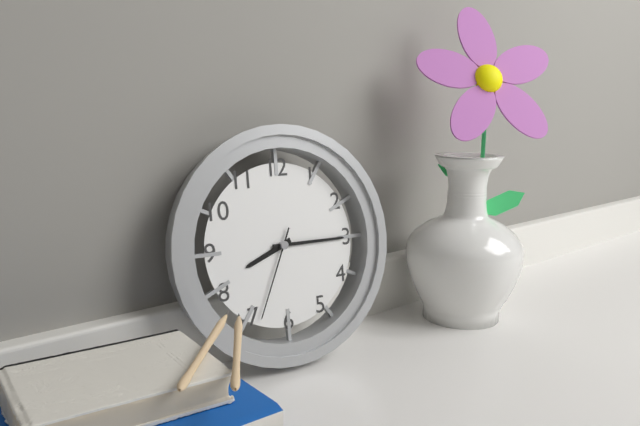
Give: 8:15:34
